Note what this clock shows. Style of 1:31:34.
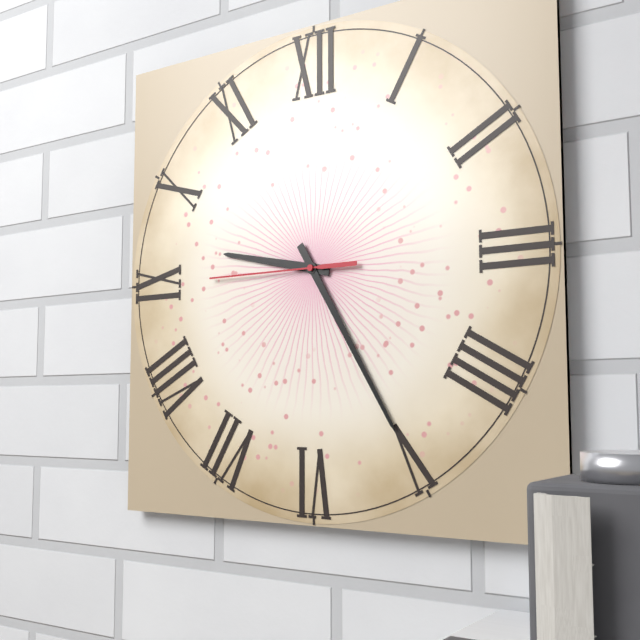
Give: 9:25:45
